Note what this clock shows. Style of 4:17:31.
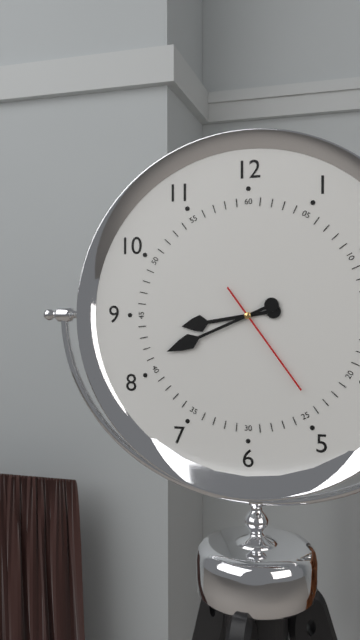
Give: 8:41:24
